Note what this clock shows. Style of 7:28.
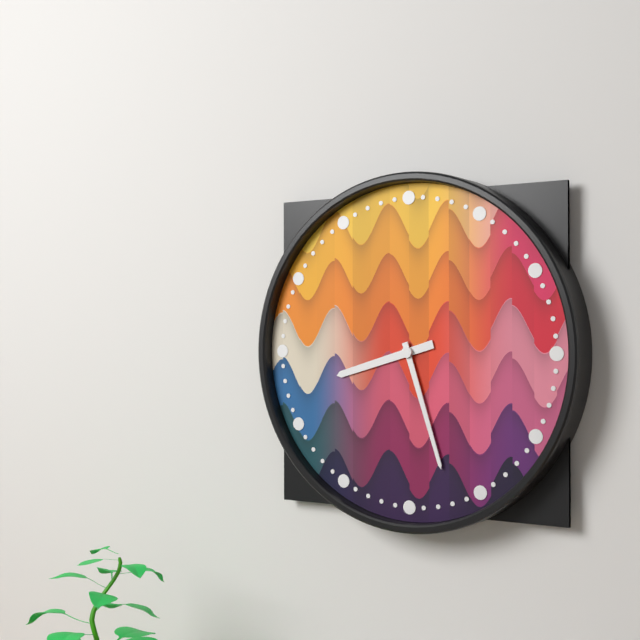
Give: 8:27
